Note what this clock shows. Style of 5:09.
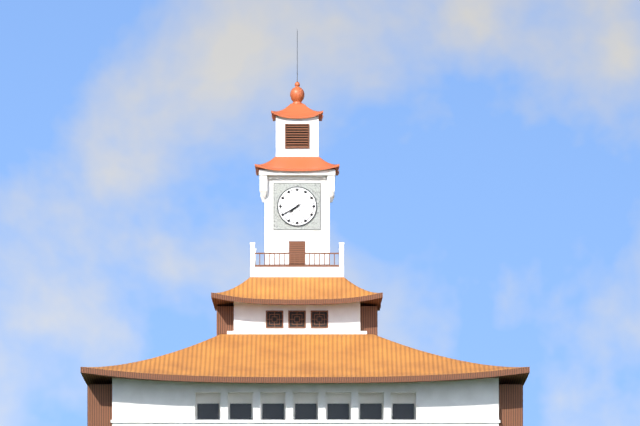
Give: 7:40
